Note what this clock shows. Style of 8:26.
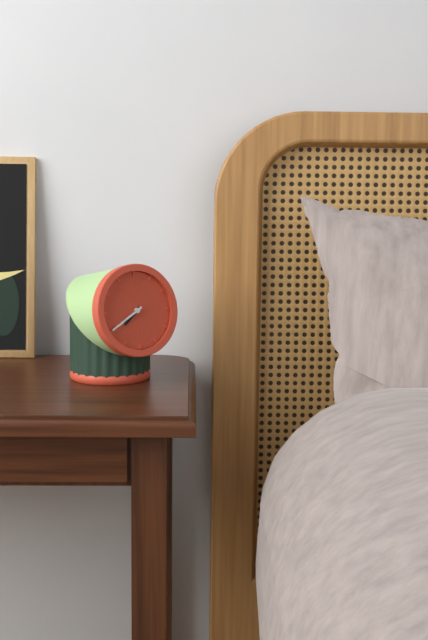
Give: 7:40
